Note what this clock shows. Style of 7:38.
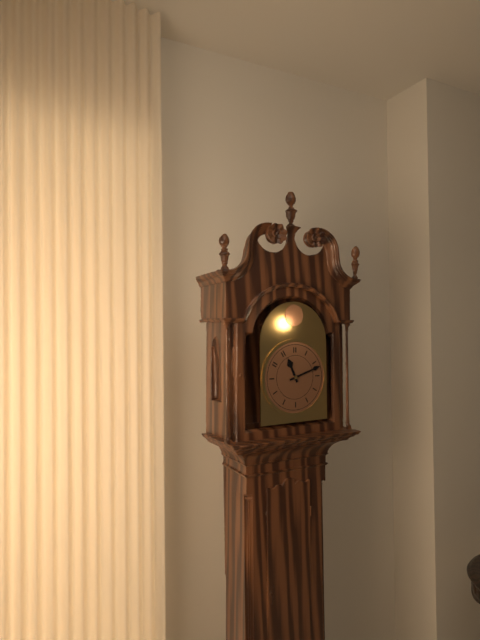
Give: 11:12
